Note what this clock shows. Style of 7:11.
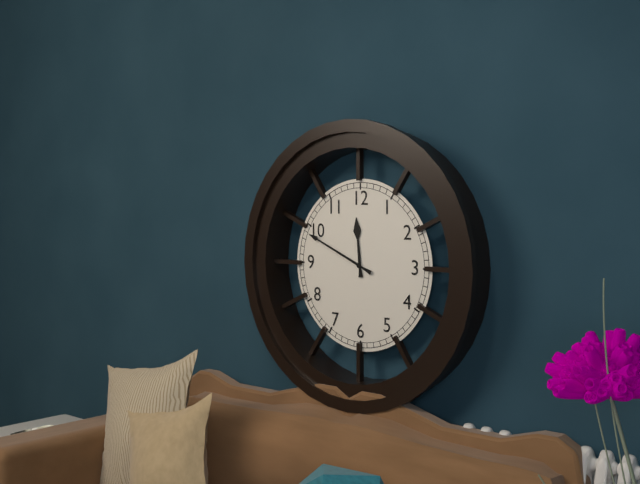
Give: 11:49
